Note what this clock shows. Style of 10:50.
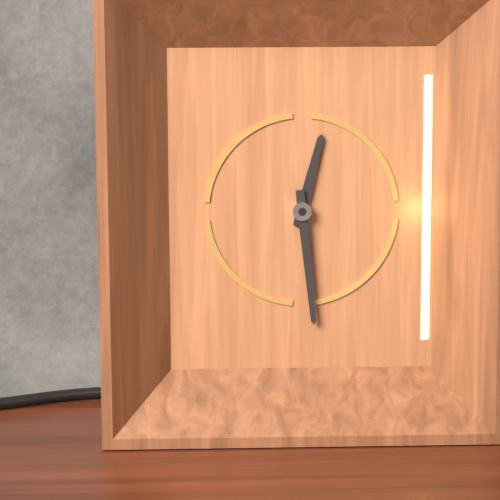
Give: 12:29
